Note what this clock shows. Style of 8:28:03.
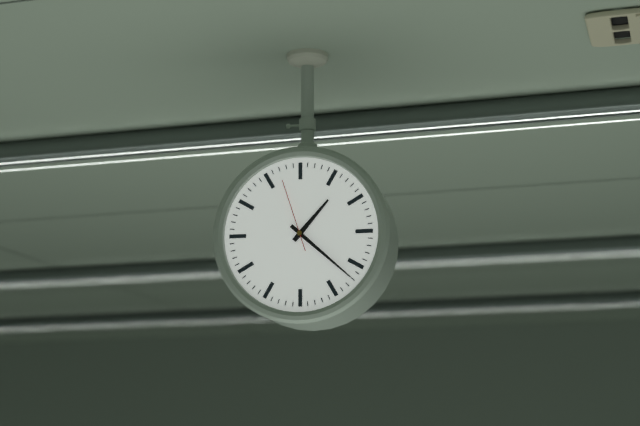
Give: 1:22:57
